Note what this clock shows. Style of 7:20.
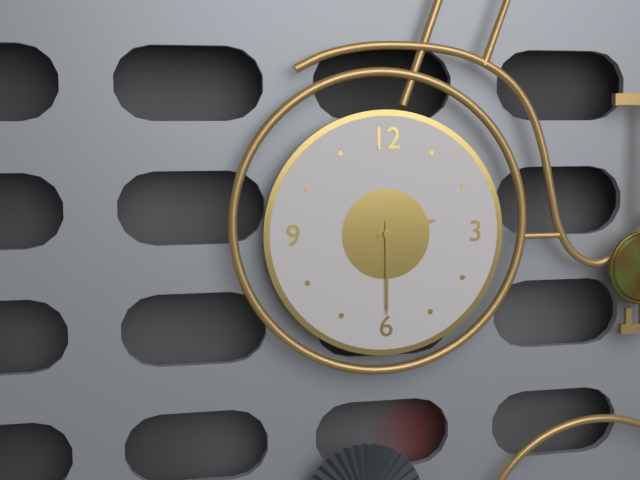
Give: 2:30
